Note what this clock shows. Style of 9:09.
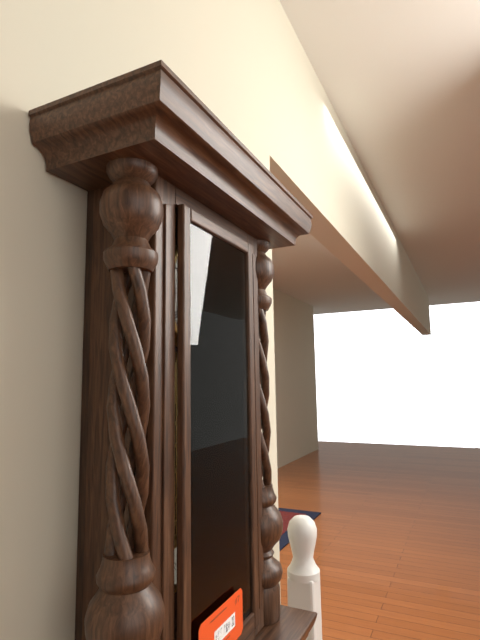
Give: 4:13
